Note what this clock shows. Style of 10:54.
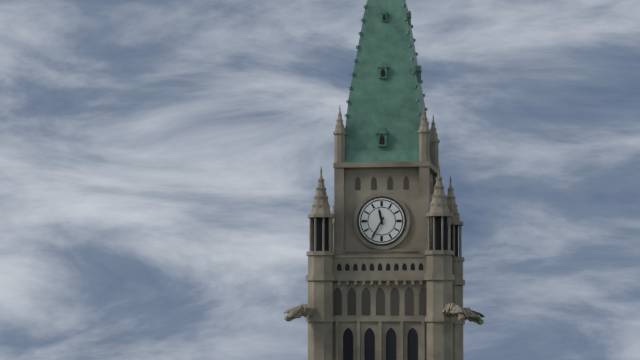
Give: 11:35
